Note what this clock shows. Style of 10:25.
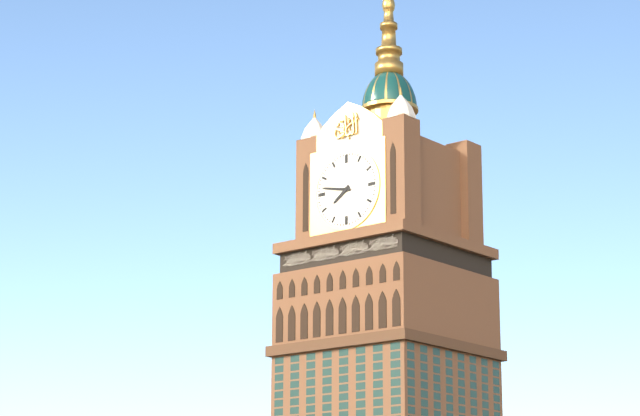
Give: 7:47
